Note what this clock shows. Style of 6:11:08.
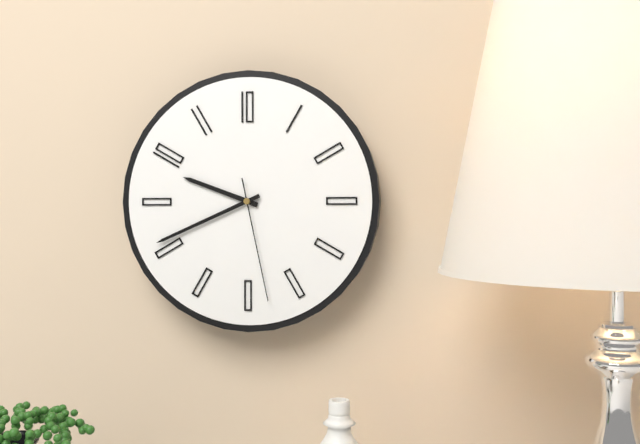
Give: 9:41:28
